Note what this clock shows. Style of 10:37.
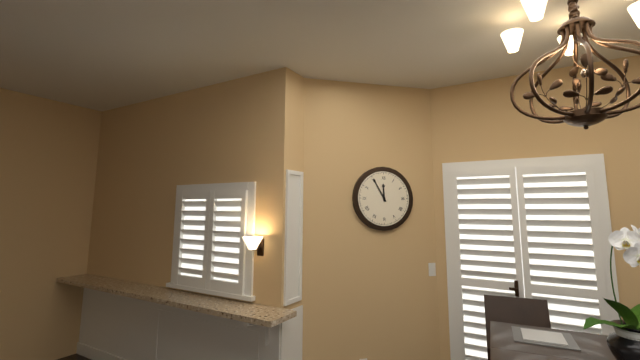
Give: 11:55
